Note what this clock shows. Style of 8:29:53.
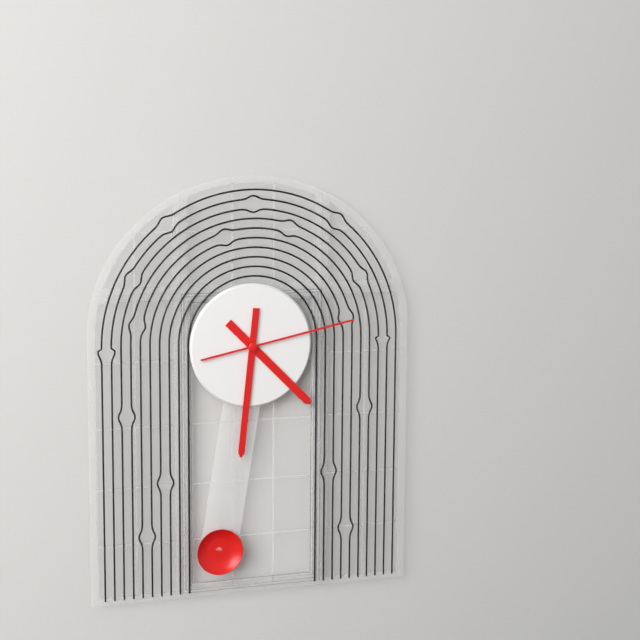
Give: 4:31:13
